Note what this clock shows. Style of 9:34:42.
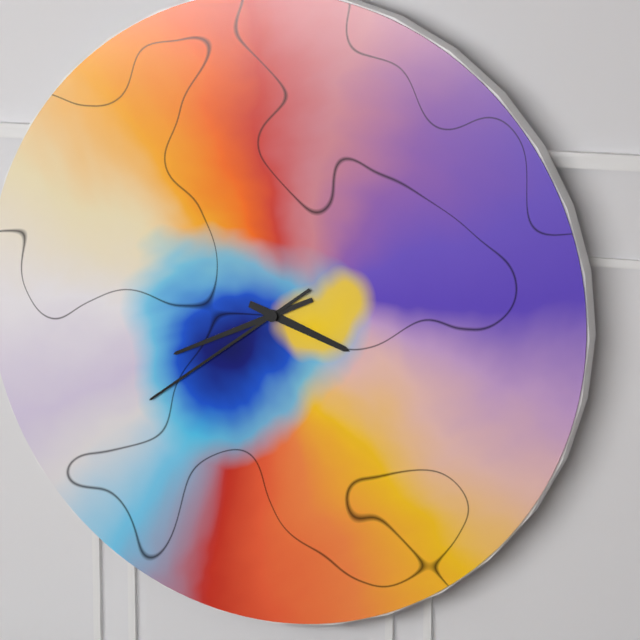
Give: 3:41:39
